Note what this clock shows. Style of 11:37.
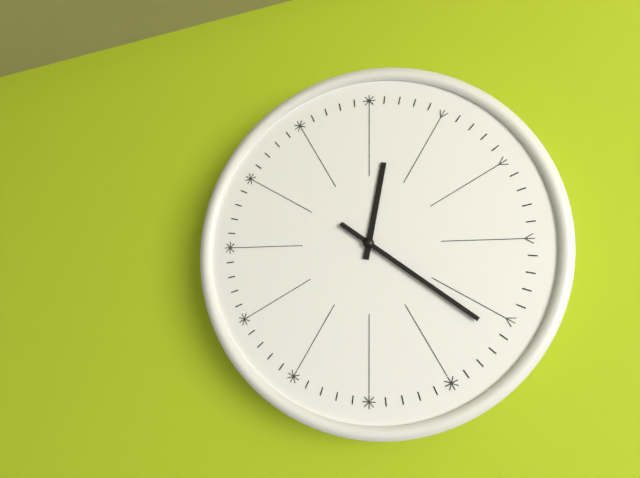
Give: 12:21
